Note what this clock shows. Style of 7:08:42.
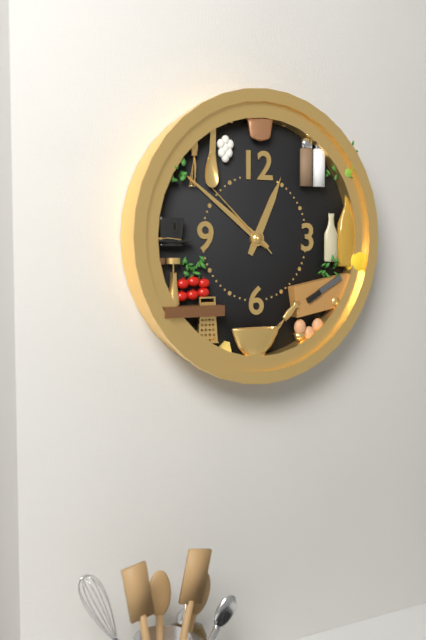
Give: 12:51:52
